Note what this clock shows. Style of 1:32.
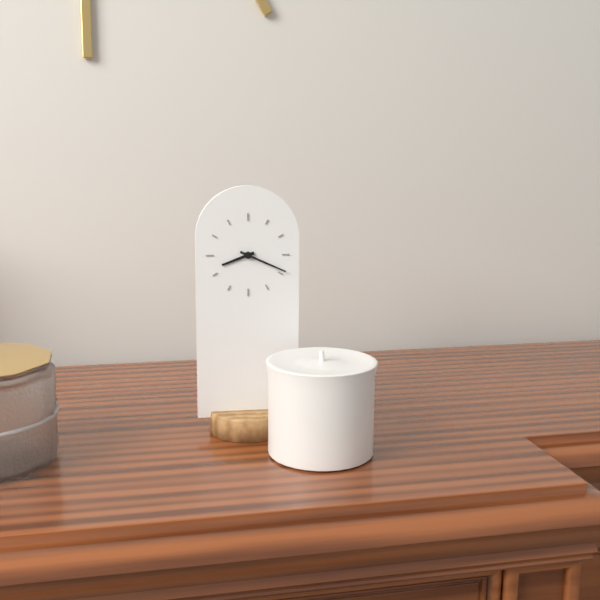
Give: 8:19
